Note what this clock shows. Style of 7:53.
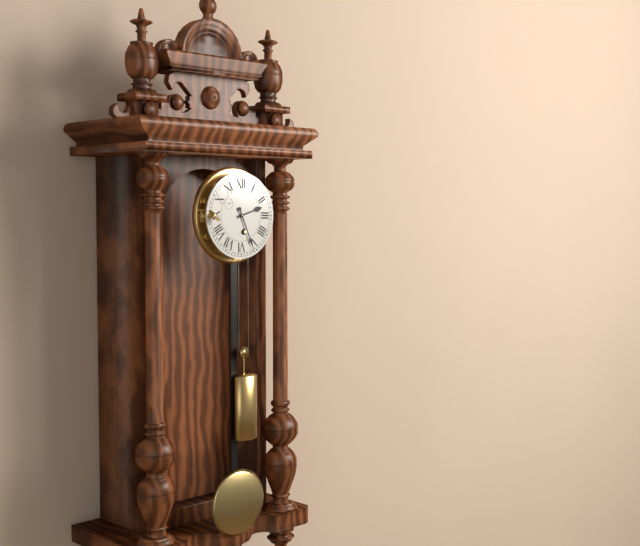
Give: 2:26
